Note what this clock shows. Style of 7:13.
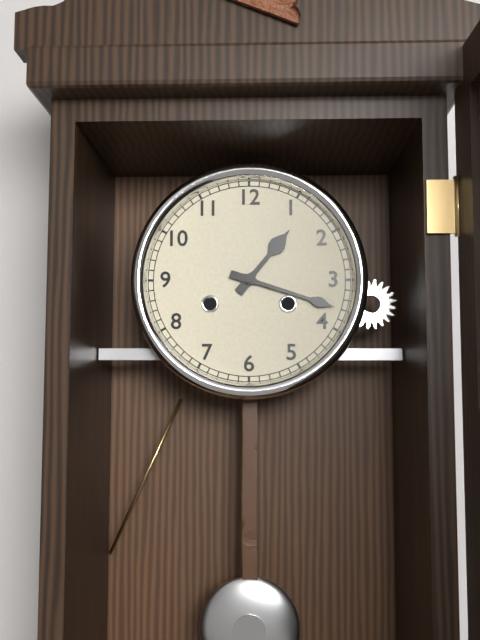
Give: 1:18
